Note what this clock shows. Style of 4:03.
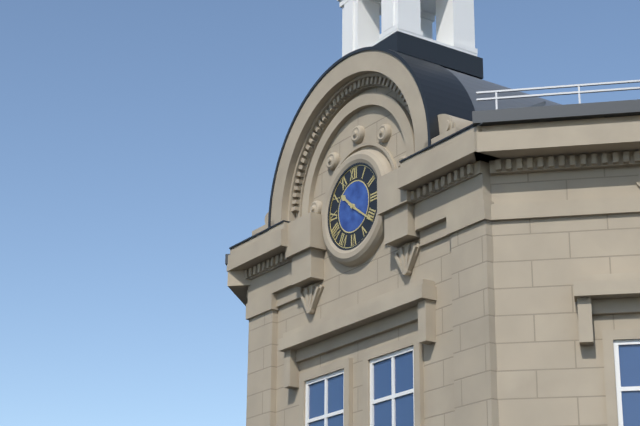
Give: 10:21
